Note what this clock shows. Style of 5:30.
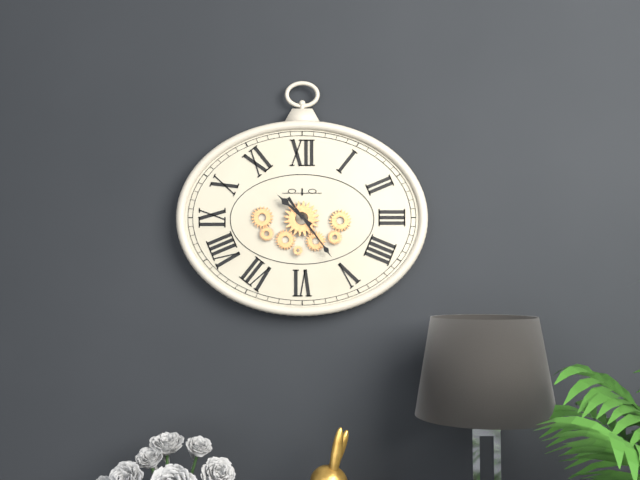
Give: 10:24
